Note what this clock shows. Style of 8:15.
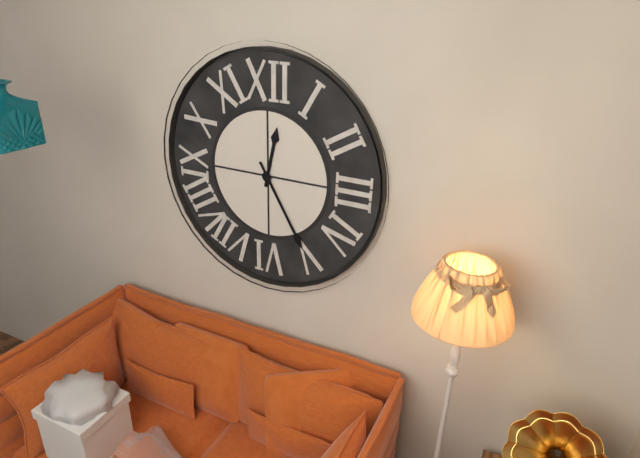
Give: 12:25
